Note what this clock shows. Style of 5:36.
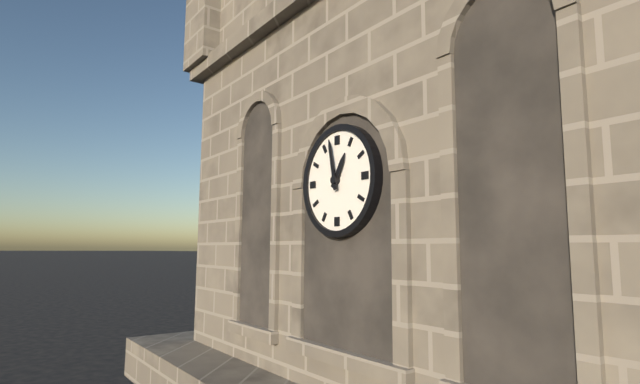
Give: 12:58
